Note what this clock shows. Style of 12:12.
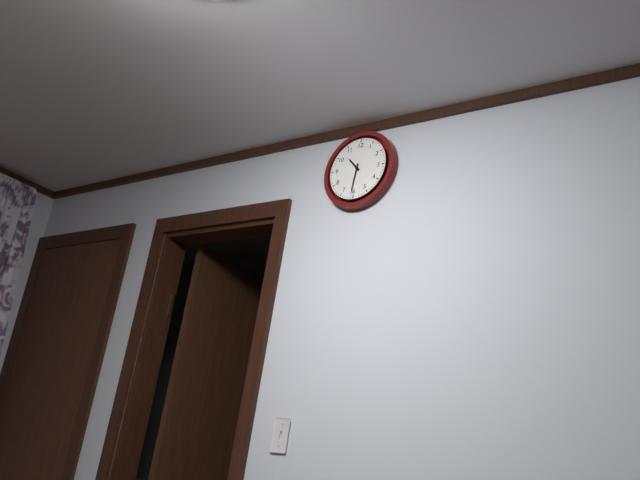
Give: 10:31
